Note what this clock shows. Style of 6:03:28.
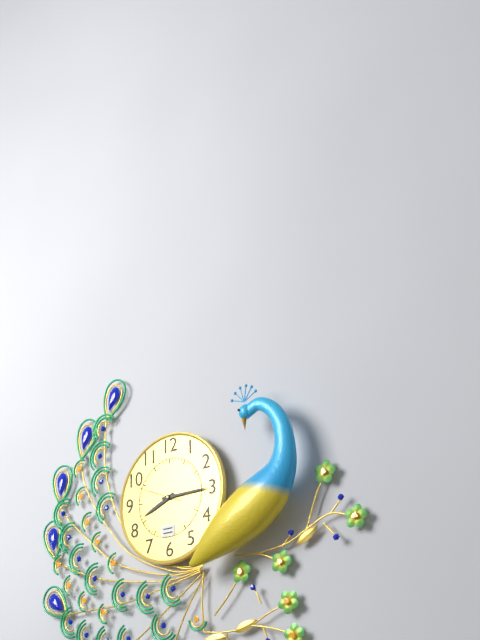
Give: 8:15:49
